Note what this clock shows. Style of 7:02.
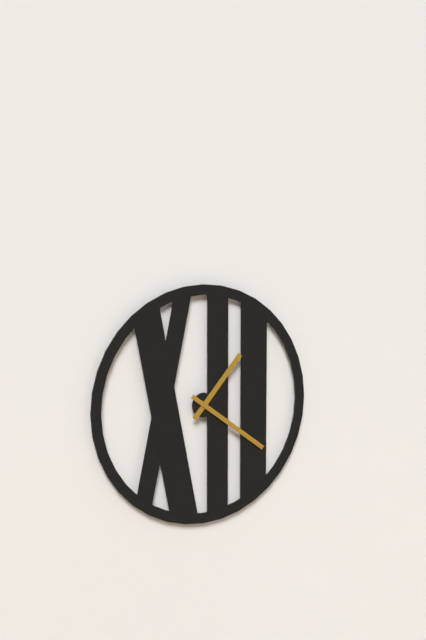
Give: 1:21
